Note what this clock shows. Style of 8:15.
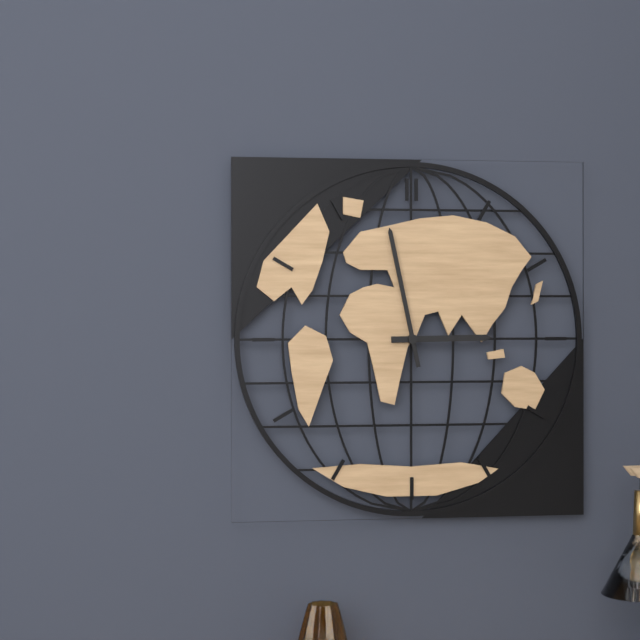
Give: 2:58
